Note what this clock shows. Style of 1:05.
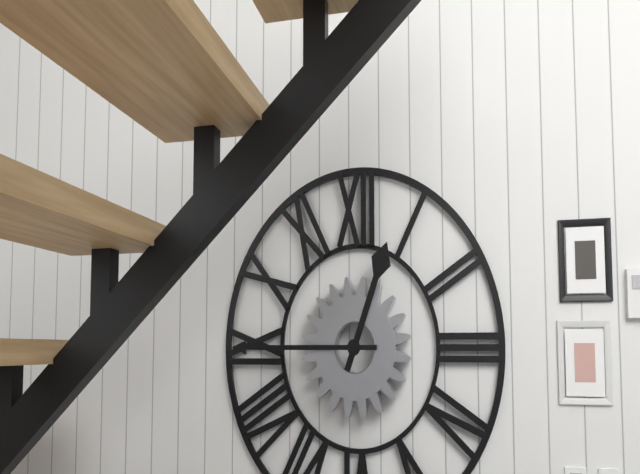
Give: 12:45
